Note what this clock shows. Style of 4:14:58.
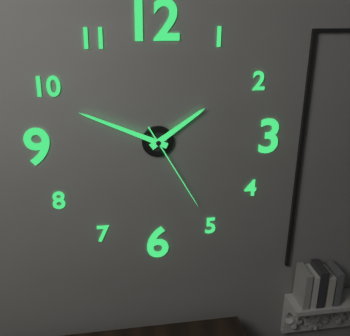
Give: 1:49:25
